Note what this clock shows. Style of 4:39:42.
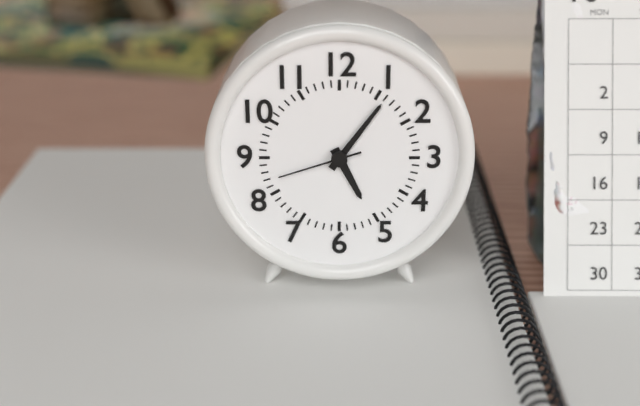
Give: 5:06:42
